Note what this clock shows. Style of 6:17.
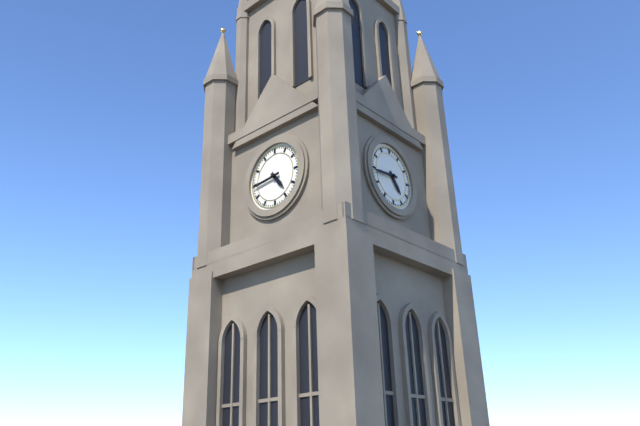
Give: 4:44
